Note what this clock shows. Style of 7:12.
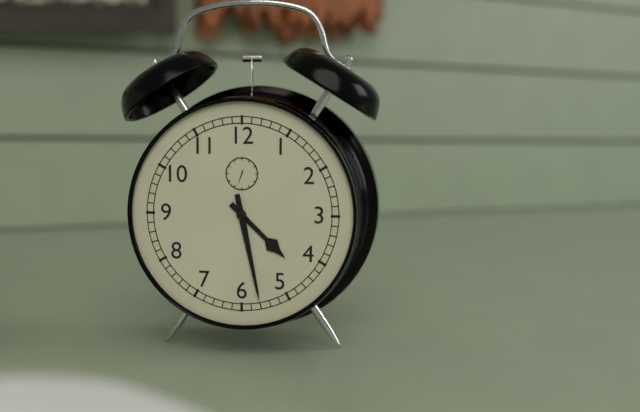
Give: 4:28
